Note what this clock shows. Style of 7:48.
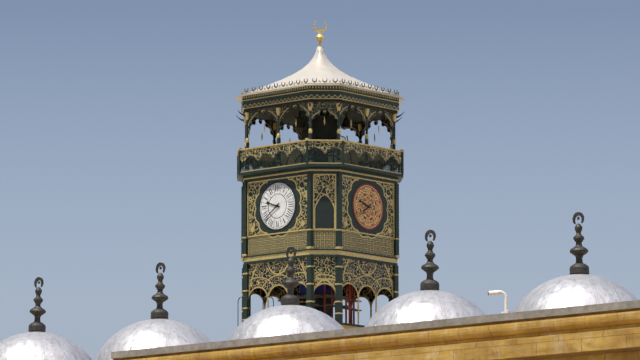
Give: 9:39
